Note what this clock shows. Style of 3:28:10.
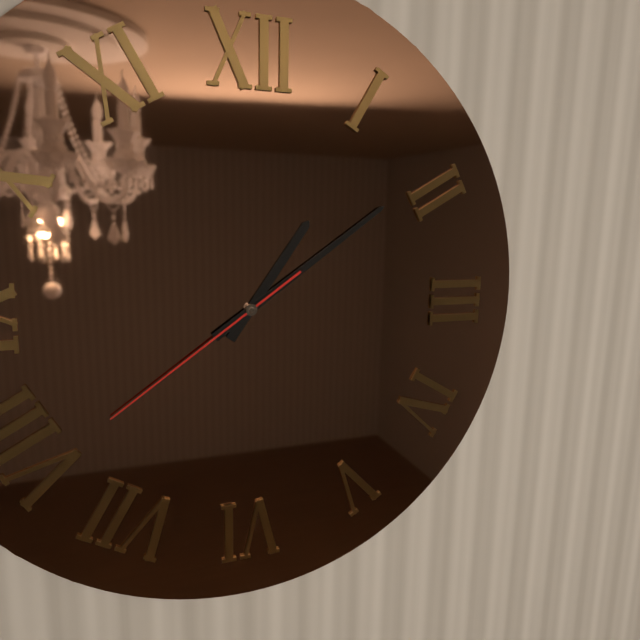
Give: 1:09:39
